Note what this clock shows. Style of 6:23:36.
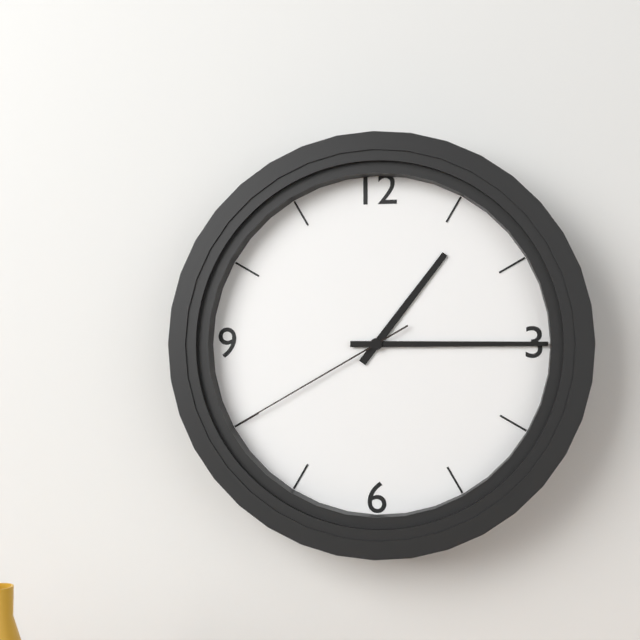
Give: 1:15:40
